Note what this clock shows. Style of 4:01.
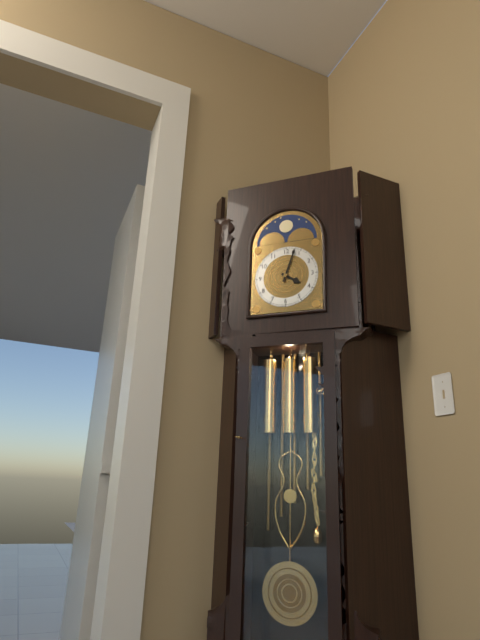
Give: 4:03
